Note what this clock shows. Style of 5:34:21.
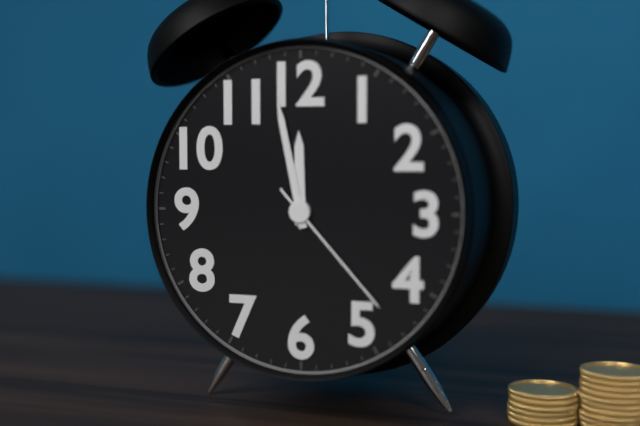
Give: 11:58:23
